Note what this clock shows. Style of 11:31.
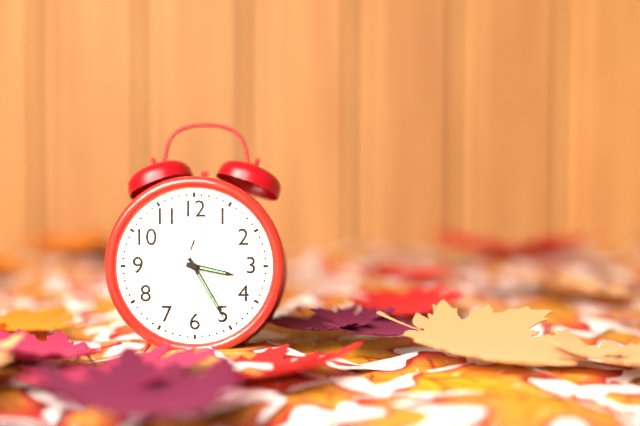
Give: 3:25
